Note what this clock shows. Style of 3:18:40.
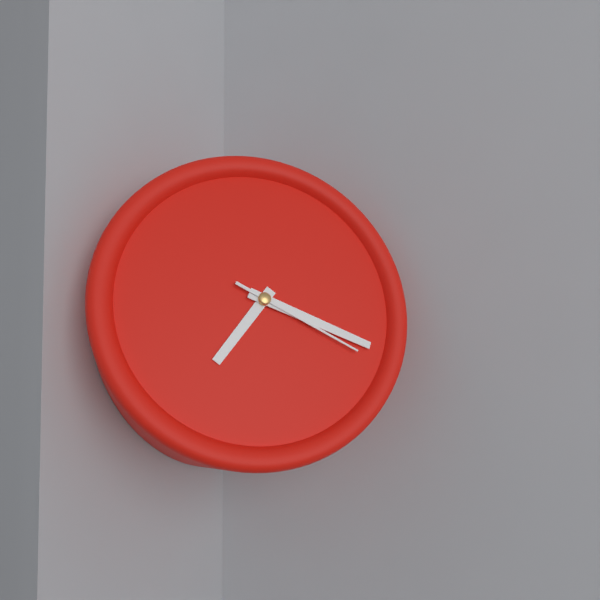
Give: 7:19:20
